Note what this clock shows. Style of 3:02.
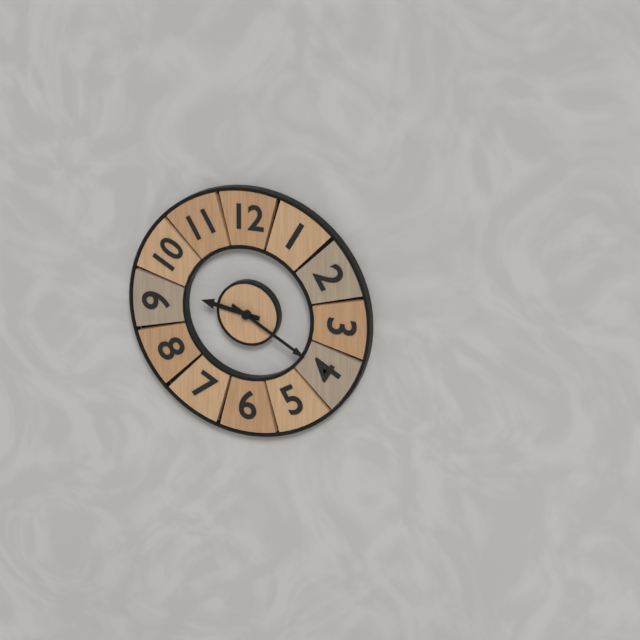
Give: 9:20
